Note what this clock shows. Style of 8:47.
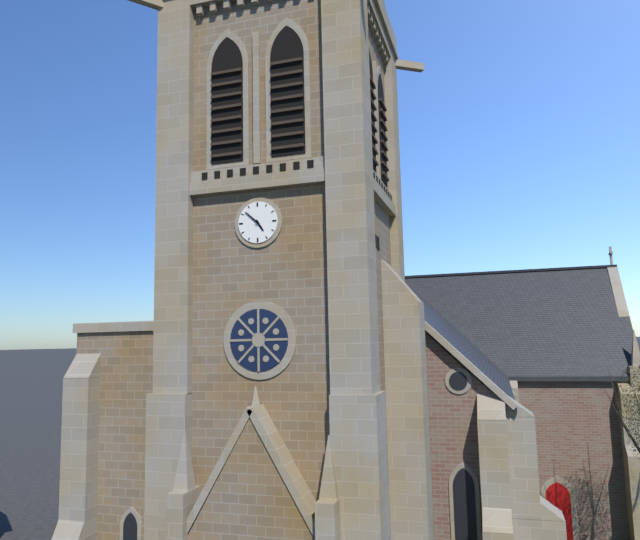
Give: 4:52
